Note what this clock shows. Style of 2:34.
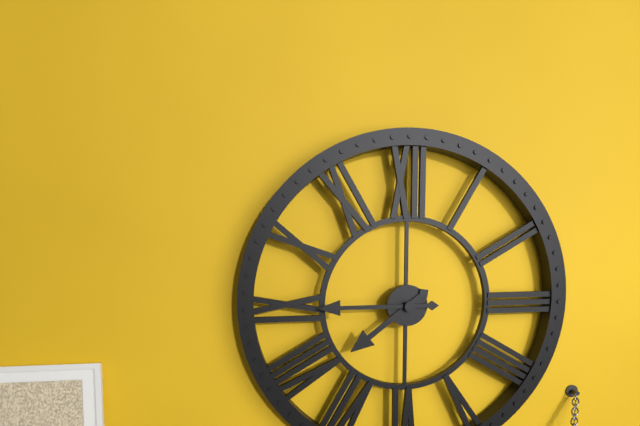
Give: 7:45
